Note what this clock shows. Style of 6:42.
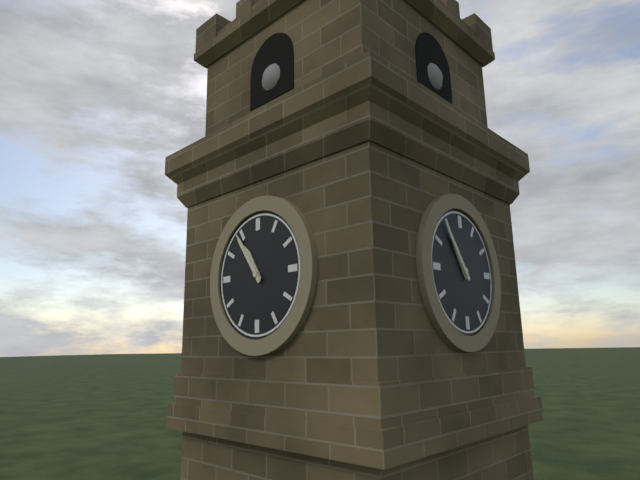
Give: 10:54
